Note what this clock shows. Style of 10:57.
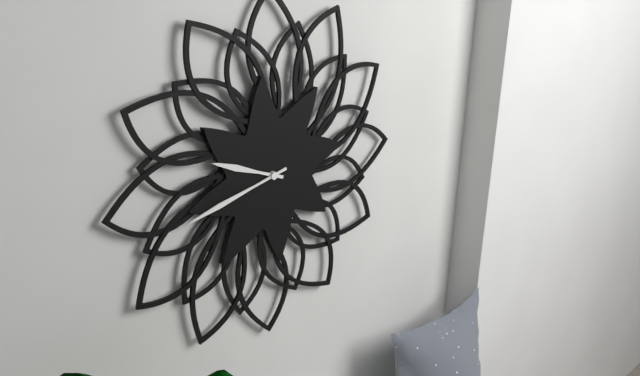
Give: 9:43
